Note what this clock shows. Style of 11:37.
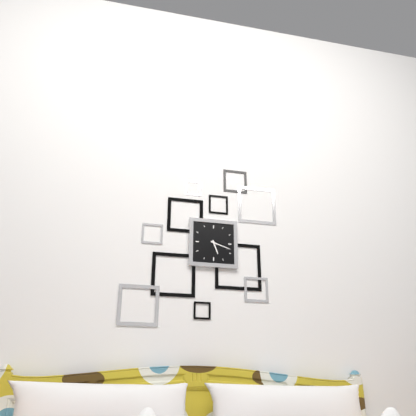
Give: 5:18
